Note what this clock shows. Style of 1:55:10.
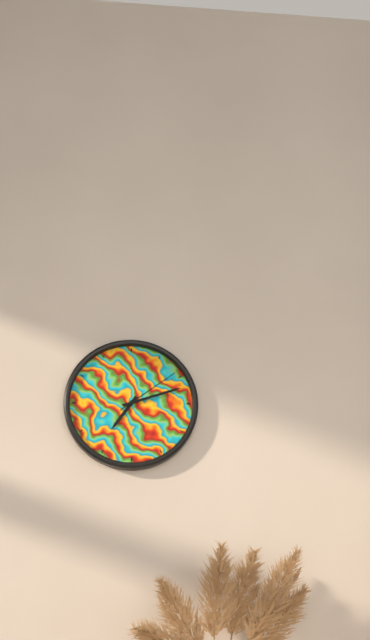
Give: 7:12:09
